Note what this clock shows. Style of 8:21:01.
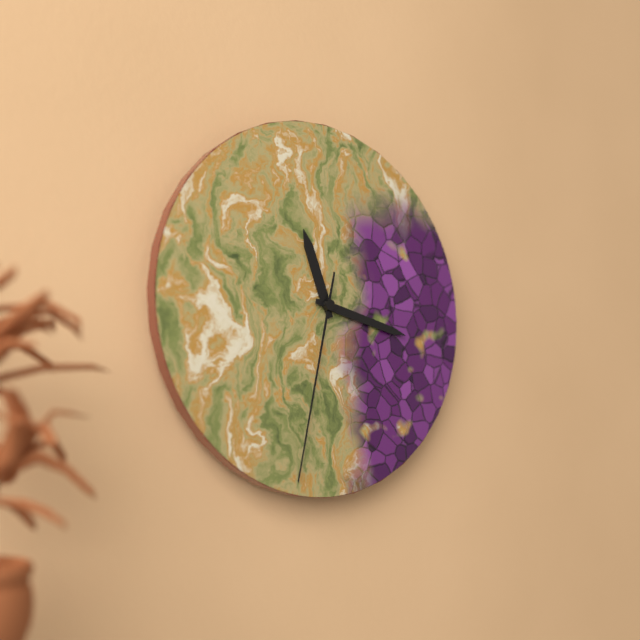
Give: 11:17:32
